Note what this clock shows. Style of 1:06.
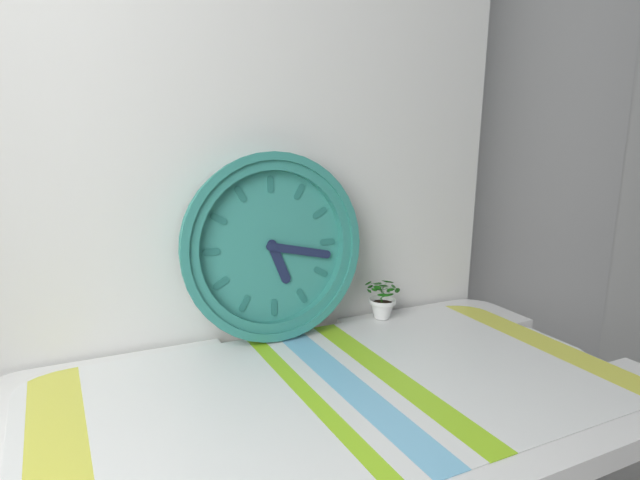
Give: 5:17
